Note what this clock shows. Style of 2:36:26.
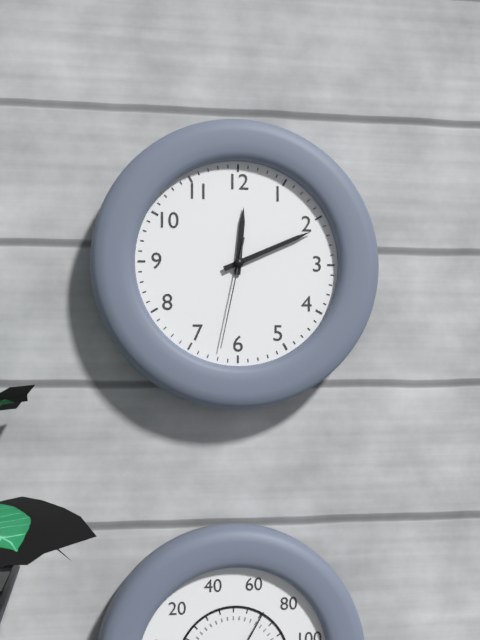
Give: 12:11:32
